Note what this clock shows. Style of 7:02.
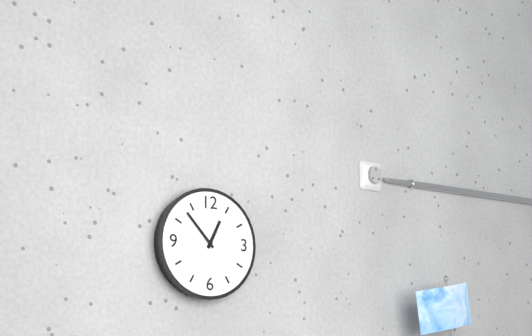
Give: 12:53
